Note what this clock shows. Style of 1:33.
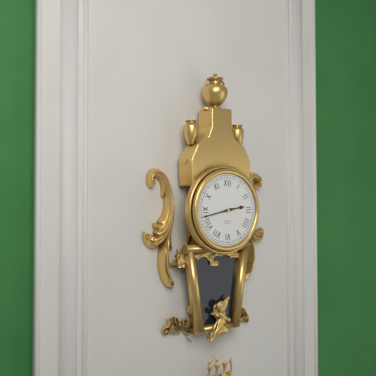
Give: 2:43
